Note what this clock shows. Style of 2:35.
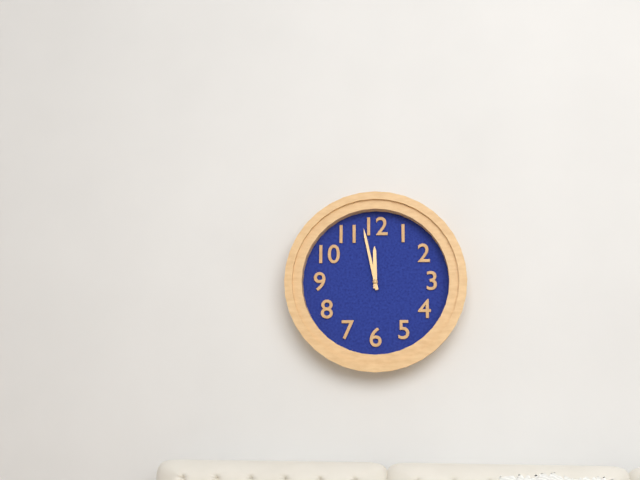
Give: 11:58
